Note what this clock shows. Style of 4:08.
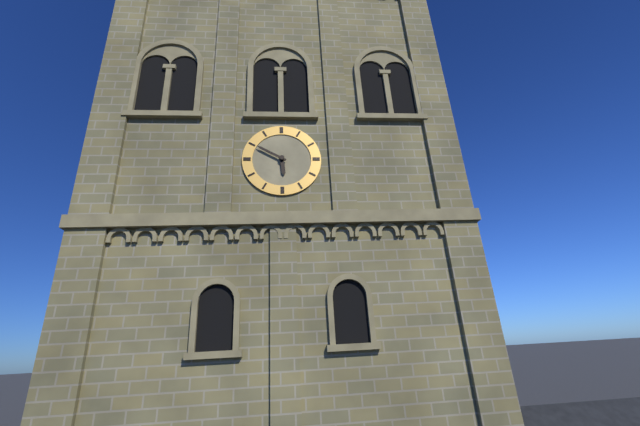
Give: 5:50
